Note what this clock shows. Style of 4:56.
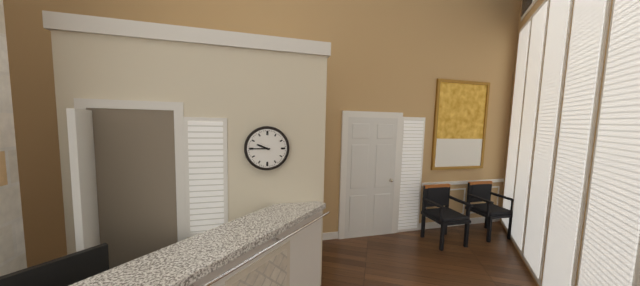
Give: 9:45
